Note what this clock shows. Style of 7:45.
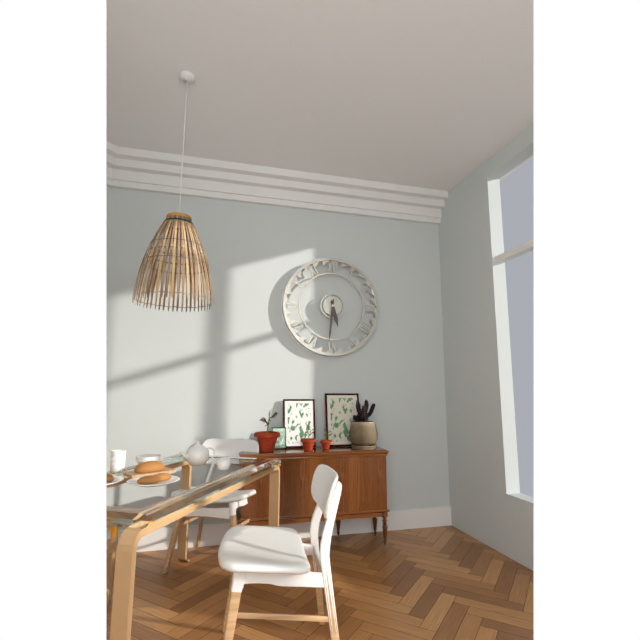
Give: 5:31
